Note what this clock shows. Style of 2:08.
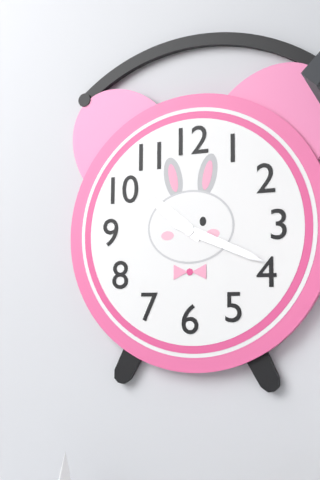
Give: 10:19
